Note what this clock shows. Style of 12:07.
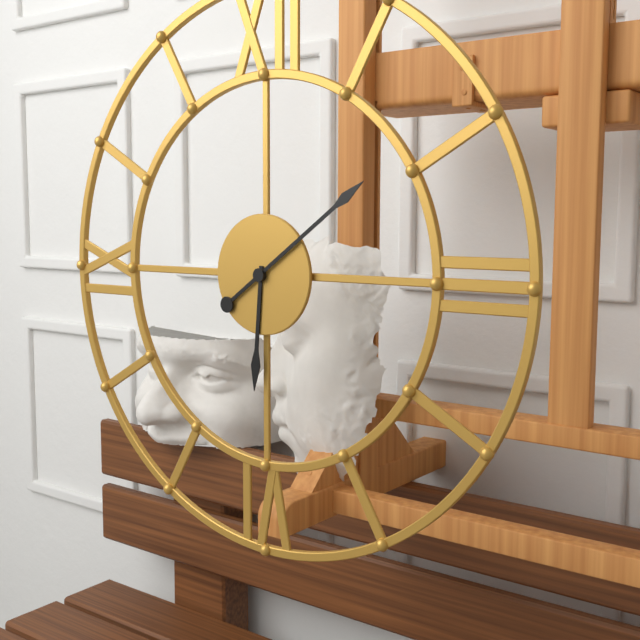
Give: 6:09
